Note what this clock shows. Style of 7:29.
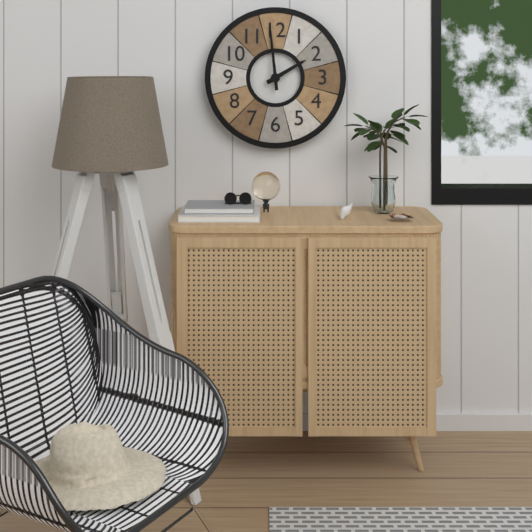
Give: 1:59
